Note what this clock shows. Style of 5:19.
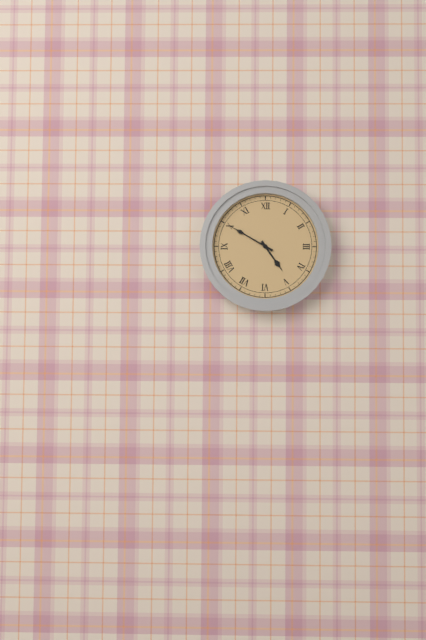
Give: 4:50
